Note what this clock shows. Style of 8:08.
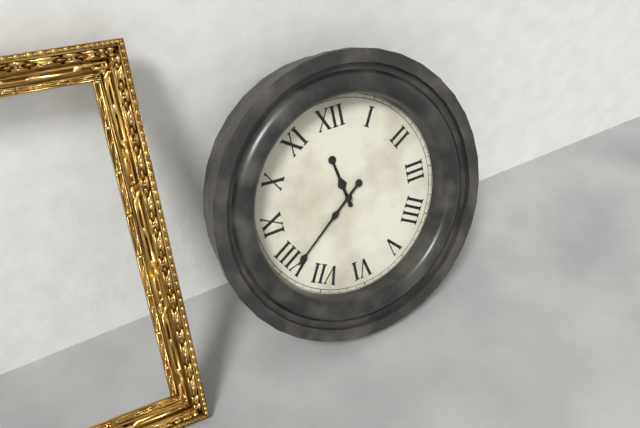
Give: 11:39
